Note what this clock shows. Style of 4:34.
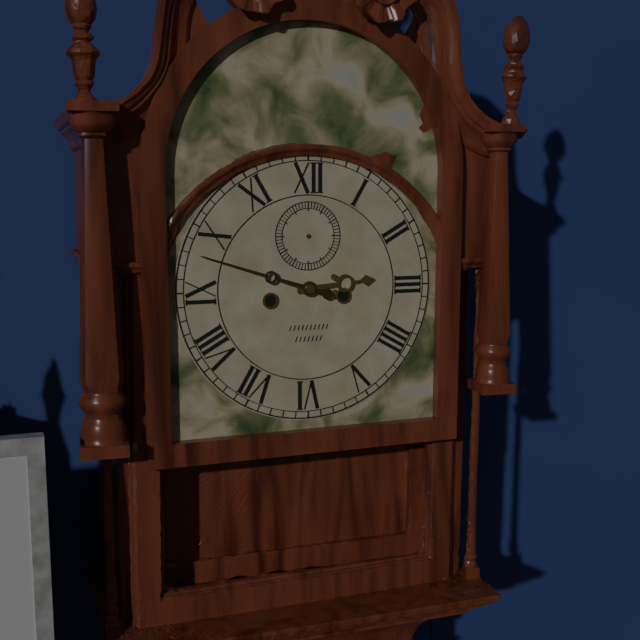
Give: 2:48
